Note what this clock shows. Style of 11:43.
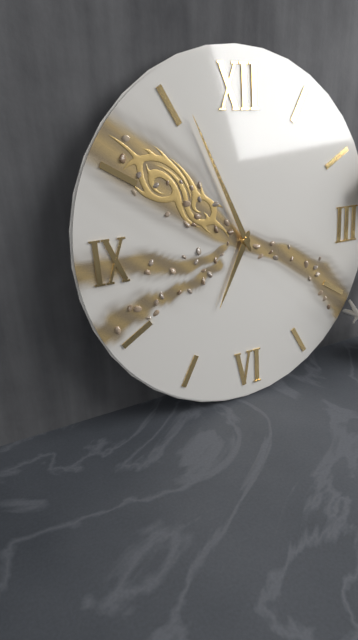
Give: 6:56
